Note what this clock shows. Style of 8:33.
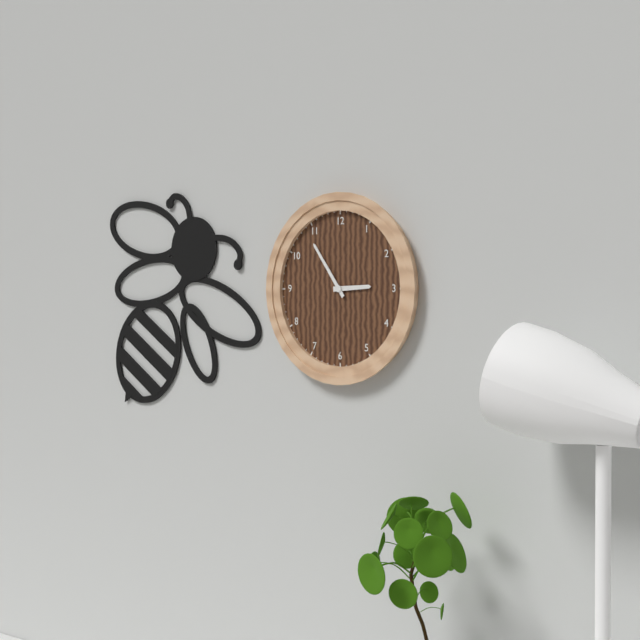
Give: 2:54
